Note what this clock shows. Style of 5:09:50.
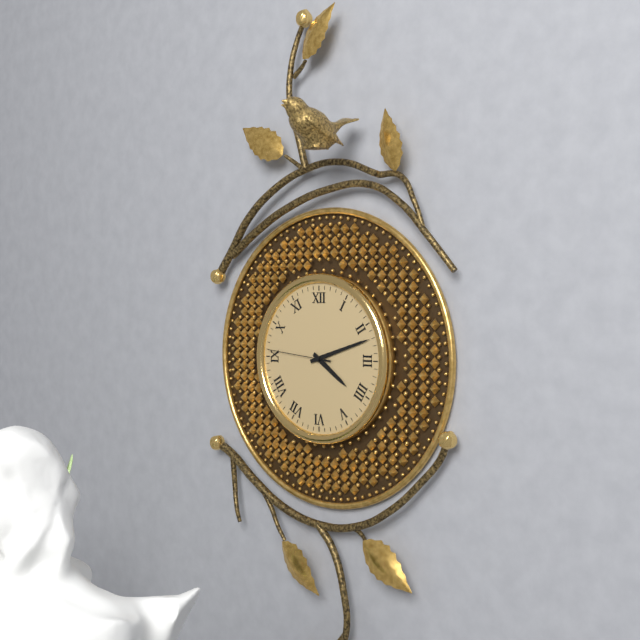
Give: 4:12:46
